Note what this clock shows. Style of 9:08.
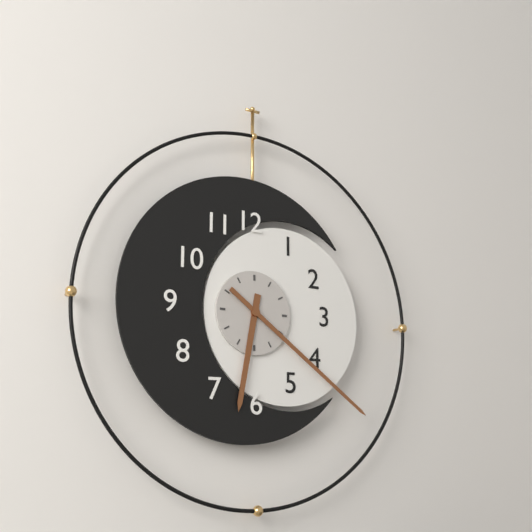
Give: 6:21
